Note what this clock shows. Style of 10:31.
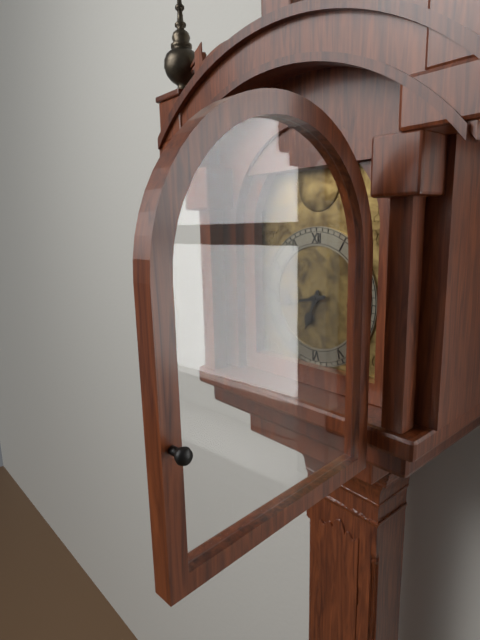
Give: 6:43
